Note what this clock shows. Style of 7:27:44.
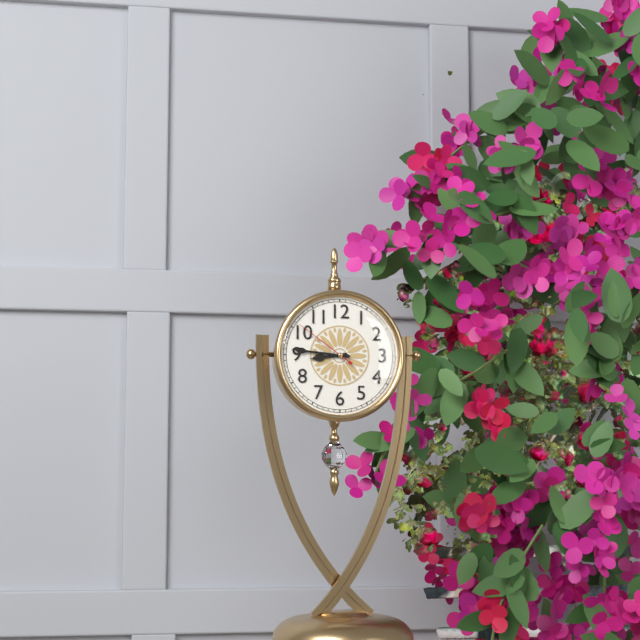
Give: 8:46:51
